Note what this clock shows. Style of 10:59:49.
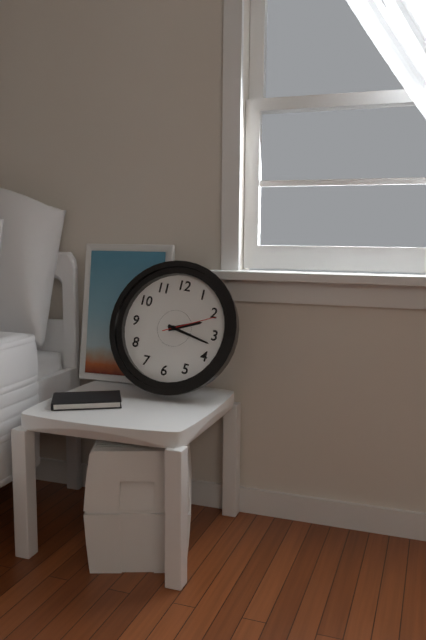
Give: 2:17:11
